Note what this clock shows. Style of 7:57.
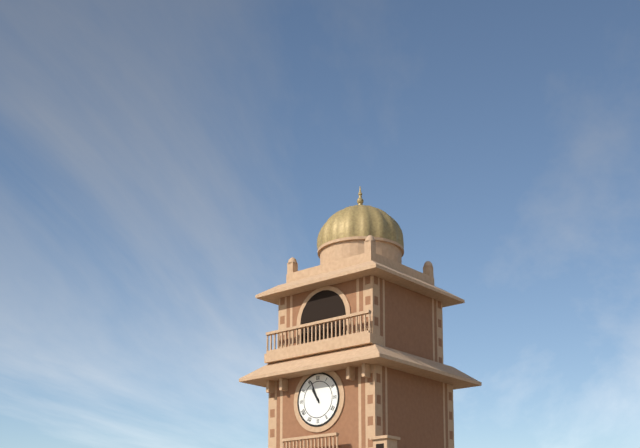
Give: 10:56
